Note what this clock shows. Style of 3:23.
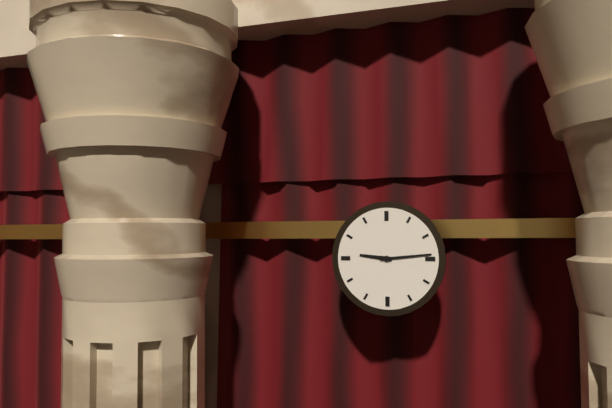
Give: 9:14
